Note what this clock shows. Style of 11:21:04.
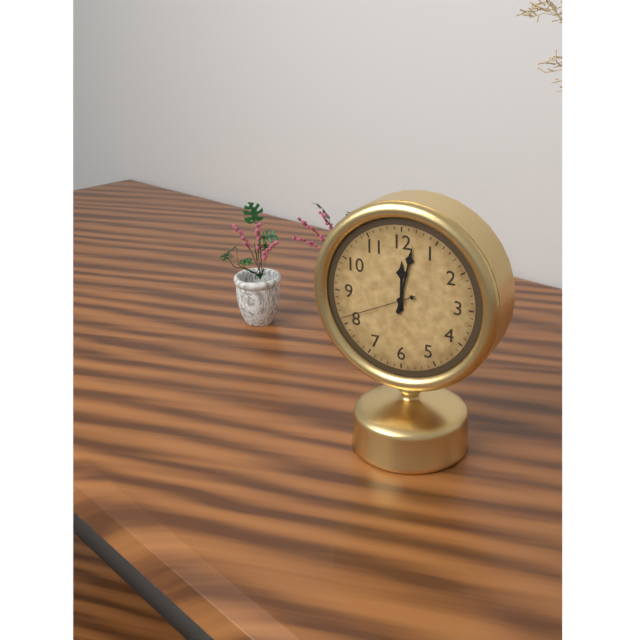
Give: 12:02:41
